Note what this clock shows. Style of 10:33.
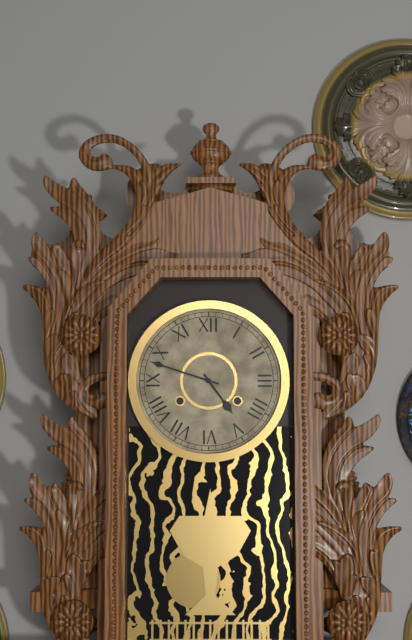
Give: 4:48
